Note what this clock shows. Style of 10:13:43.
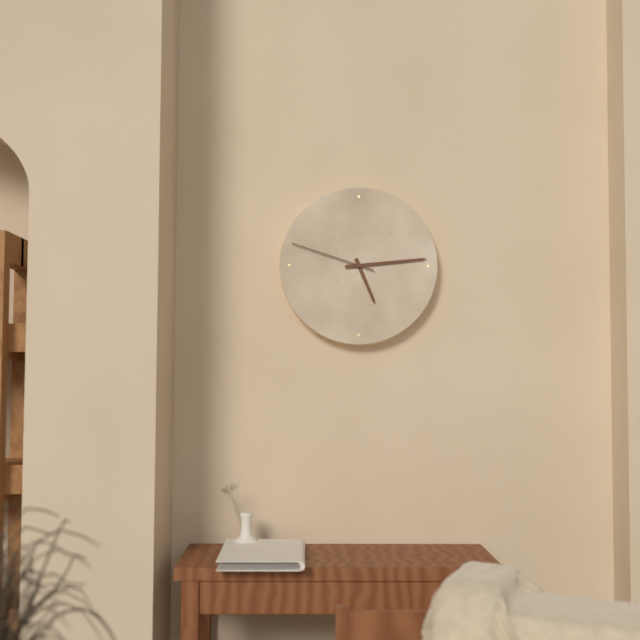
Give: 5:14:48
